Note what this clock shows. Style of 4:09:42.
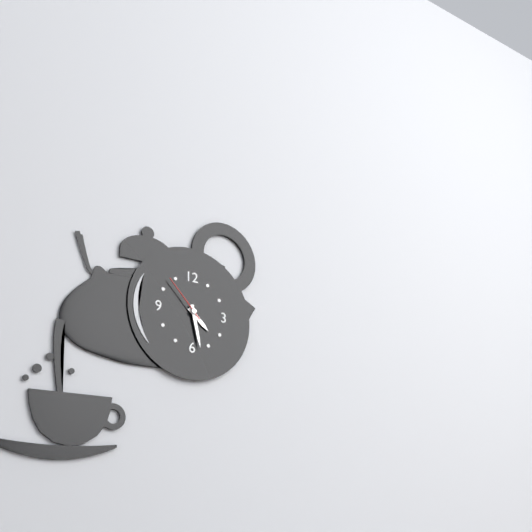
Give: 4:28:53
